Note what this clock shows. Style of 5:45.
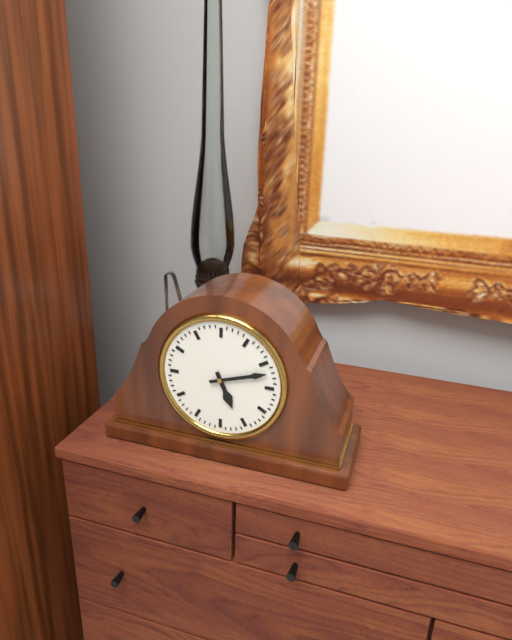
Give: 5:12
